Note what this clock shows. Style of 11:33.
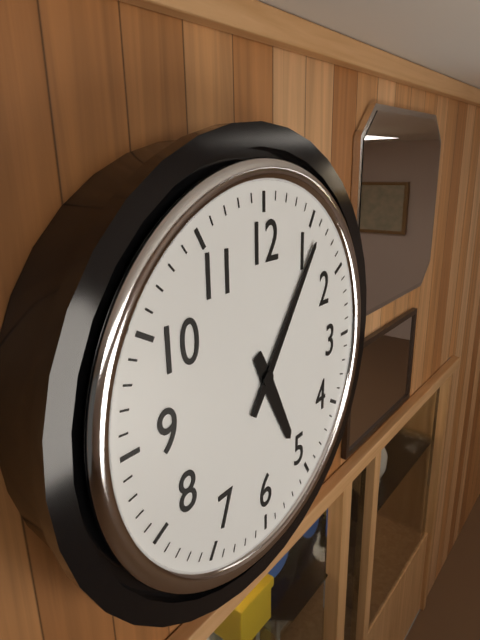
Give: 5:06
